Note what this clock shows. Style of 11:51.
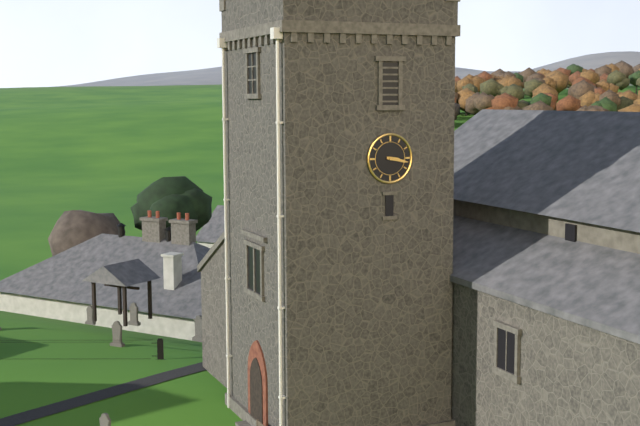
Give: 3:17
